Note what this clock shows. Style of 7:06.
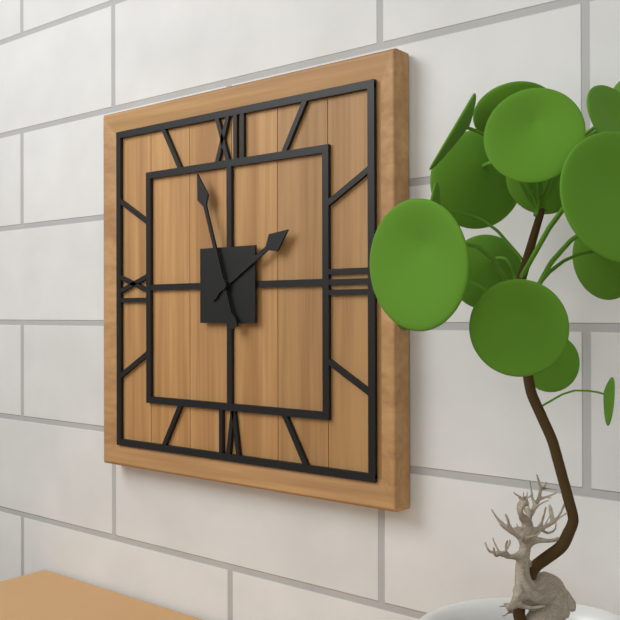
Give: 1:57
